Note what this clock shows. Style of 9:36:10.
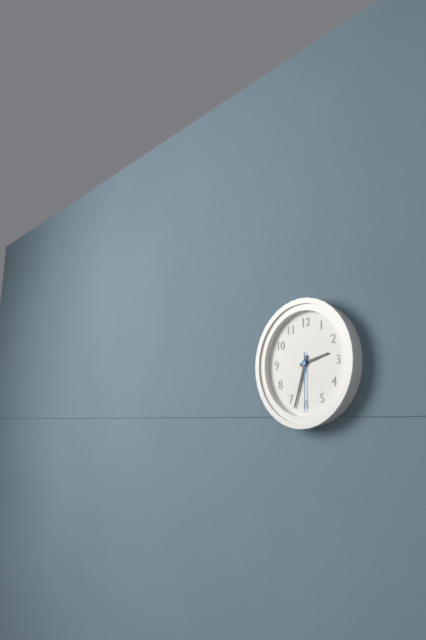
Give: 2:33:30
